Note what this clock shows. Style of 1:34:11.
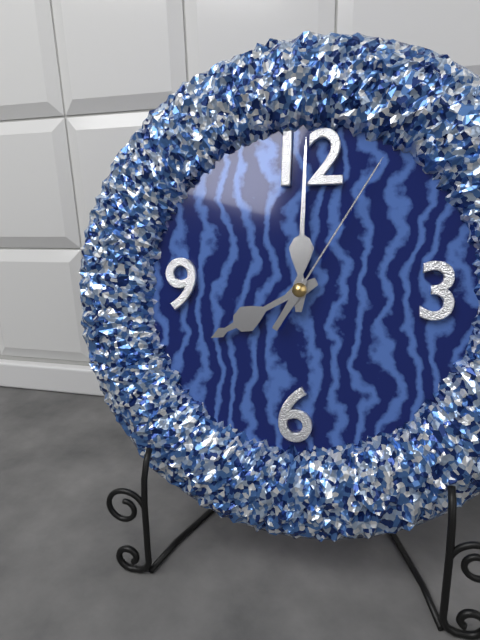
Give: 8:00:05
